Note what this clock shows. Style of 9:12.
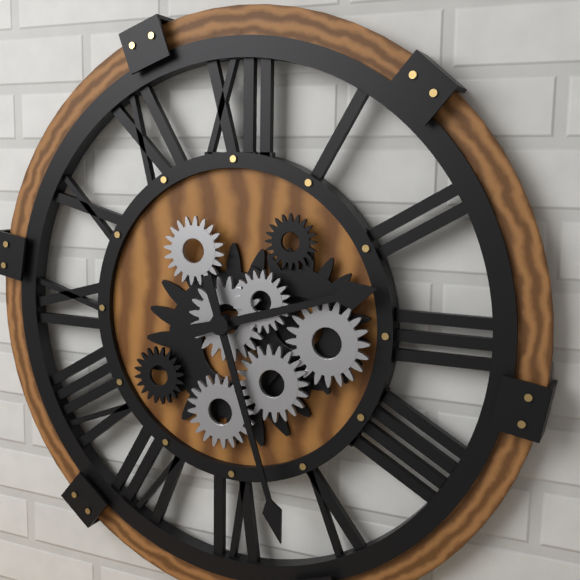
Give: 2:27
